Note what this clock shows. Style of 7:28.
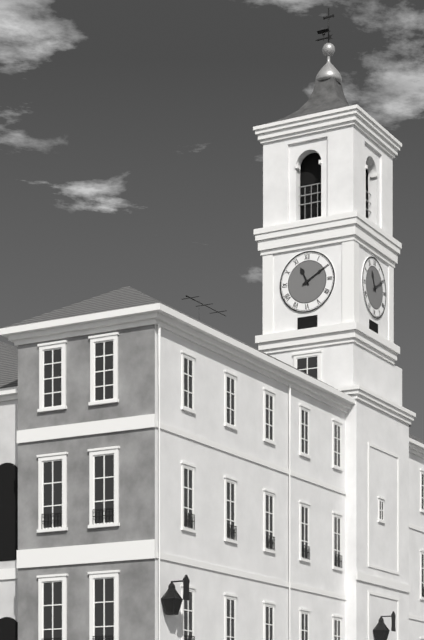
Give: 11:10
